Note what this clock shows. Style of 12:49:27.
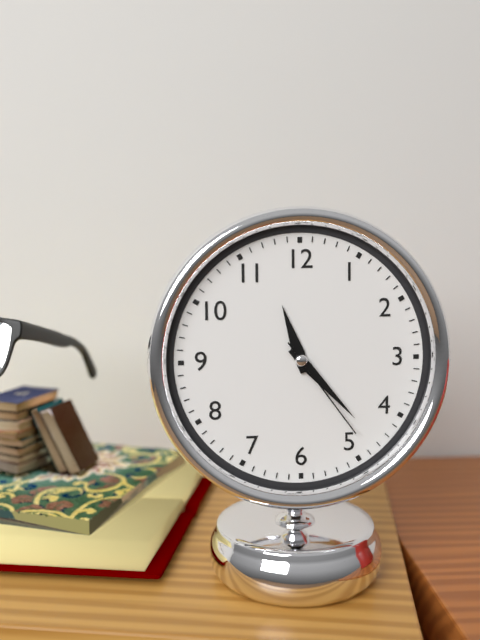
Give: 11:23:24
